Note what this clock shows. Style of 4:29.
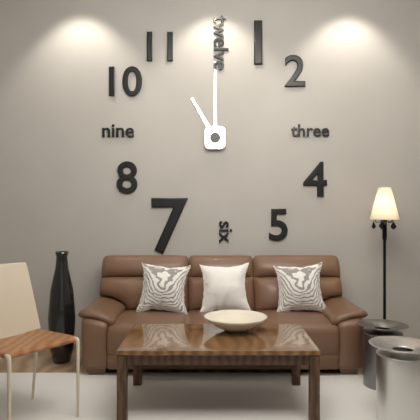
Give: 11:00
